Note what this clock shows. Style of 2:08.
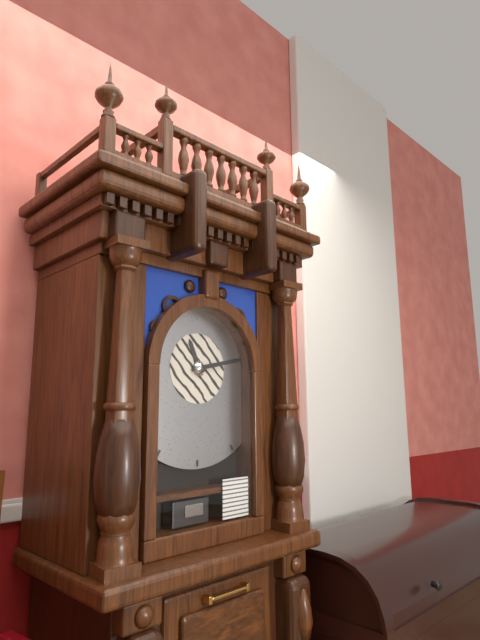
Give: 11:13
